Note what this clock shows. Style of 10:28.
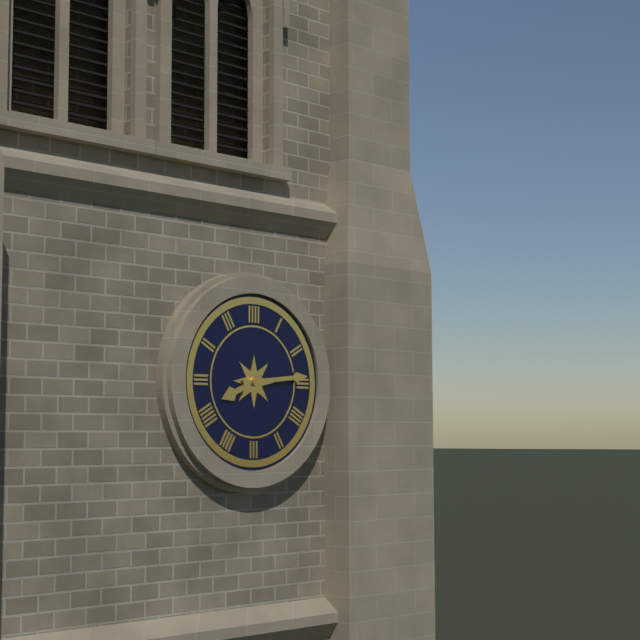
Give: 8:14
